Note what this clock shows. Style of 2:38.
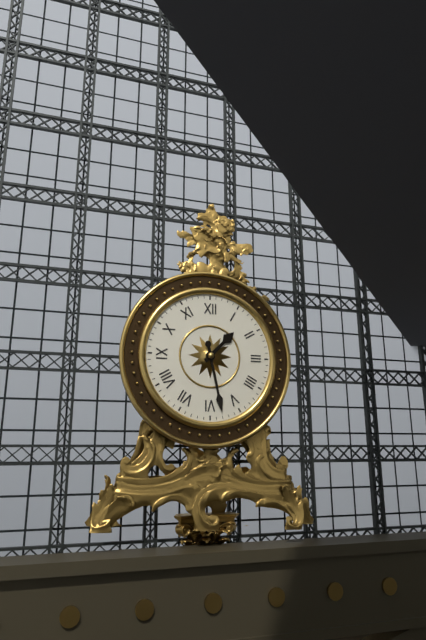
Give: 1:28
